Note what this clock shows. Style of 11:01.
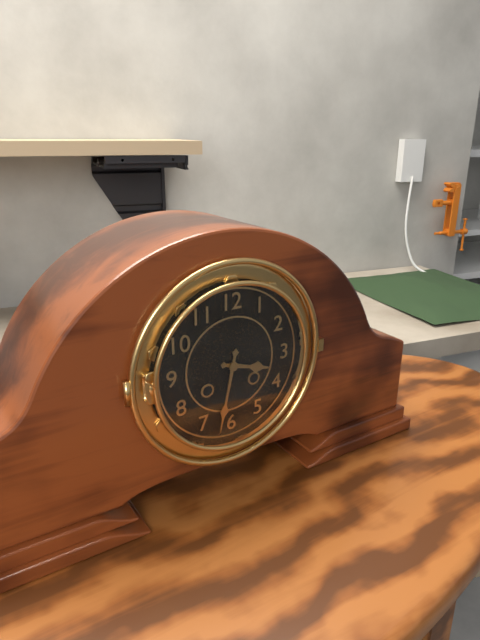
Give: 3:32
